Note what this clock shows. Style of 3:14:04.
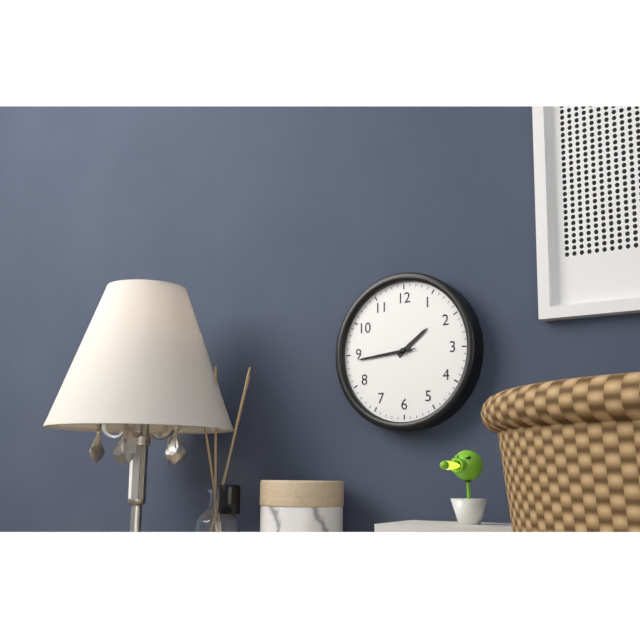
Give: 1:44:44
